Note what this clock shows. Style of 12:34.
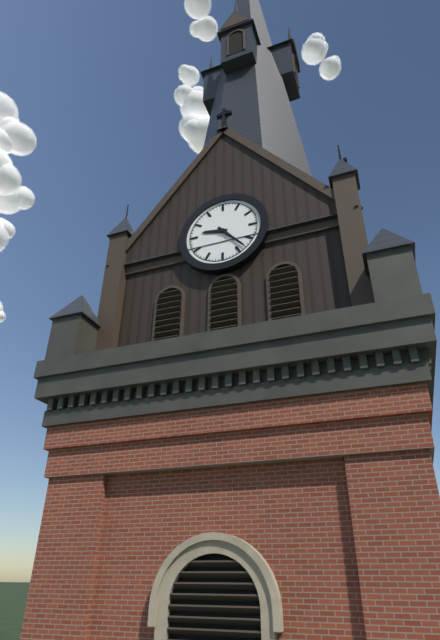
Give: 9:23
